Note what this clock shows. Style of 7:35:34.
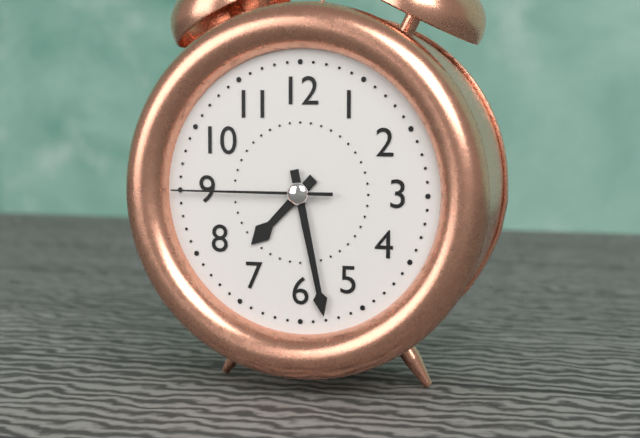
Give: 7:28:45
